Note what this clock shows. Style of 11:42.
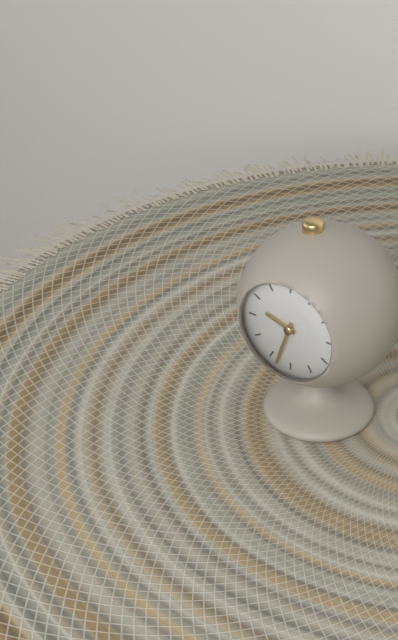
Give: 9:33
